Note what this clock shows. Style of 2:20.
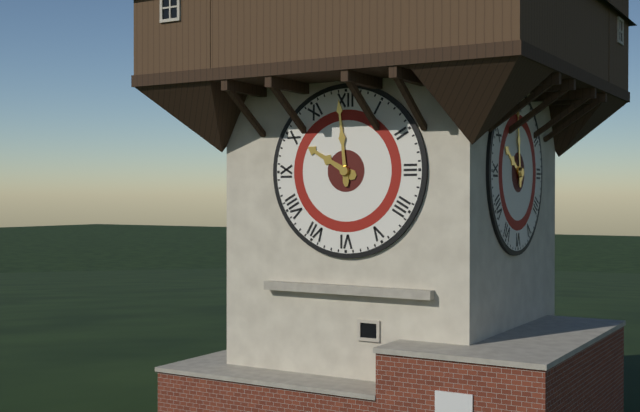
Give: 9:59
